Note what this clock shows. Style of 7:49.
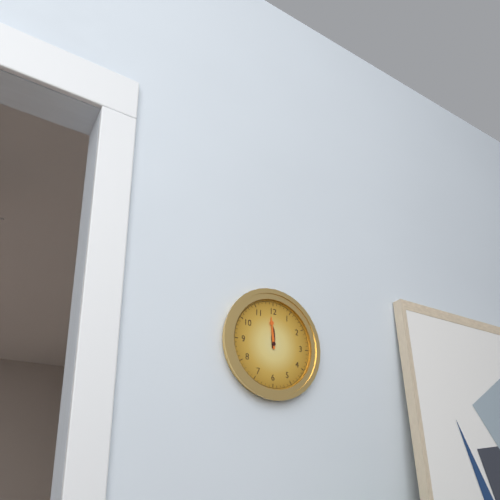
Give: 11:59
